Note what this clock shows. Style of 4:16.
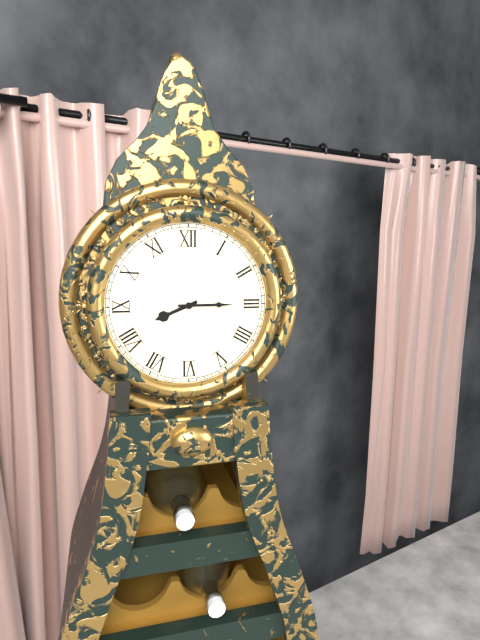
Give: 8:15
